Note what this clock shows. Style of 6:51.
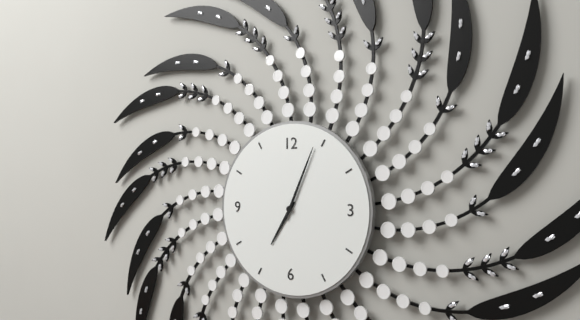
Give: 7:04
